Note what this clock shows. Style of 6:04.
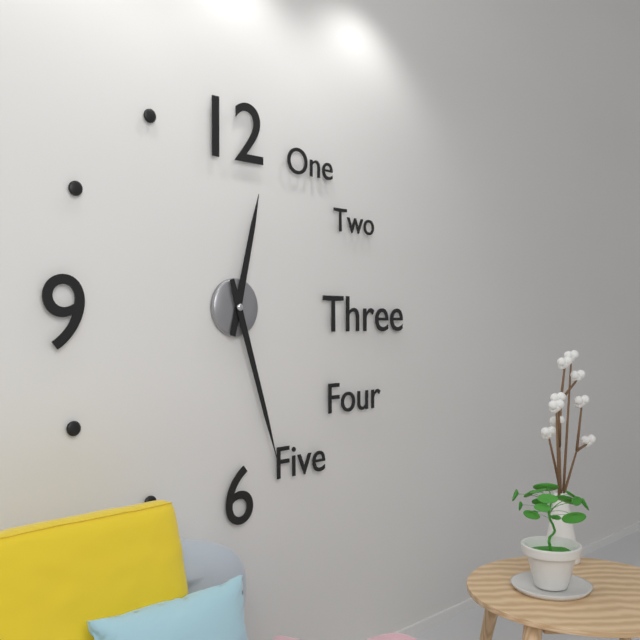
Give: 12:27
